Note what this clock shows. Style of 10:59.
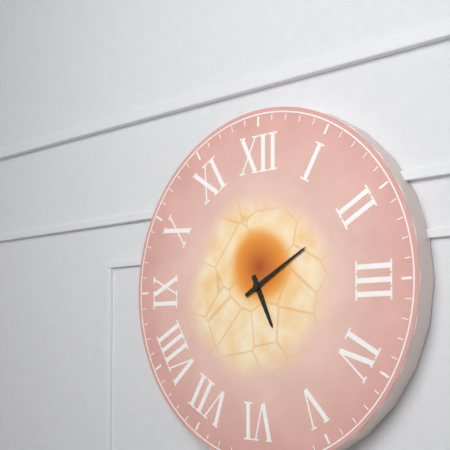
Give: 5:10
